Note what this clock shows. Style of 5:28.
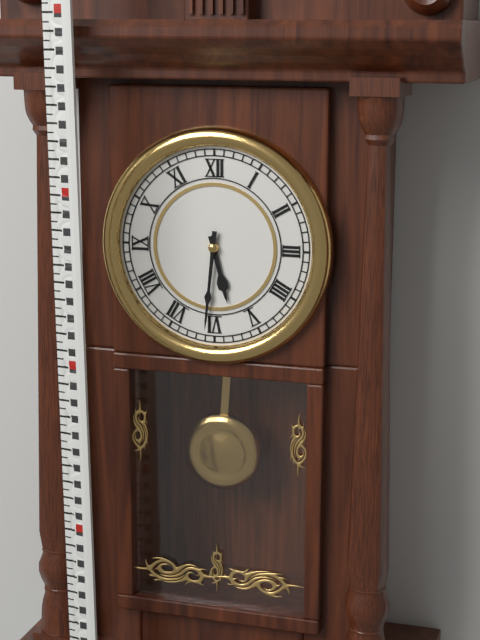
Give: 5:31
